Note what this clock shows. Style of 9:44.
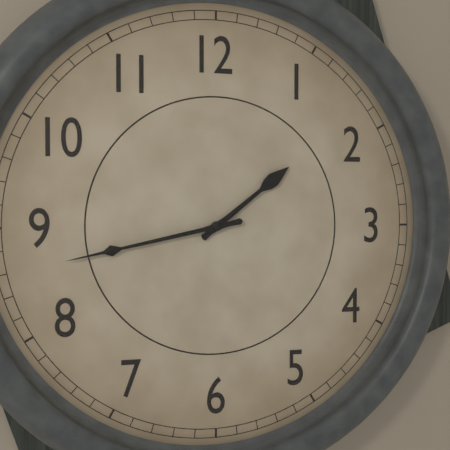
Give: 1:43
